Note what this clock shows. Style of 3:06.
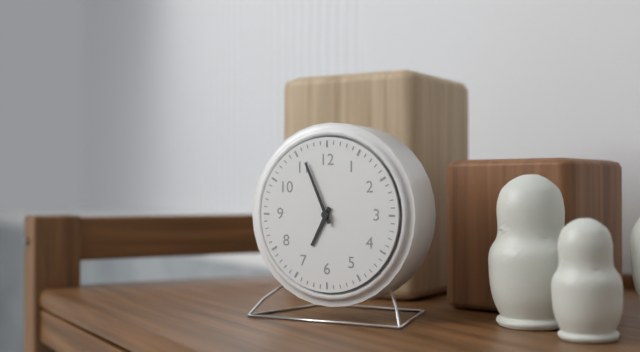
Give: 6:56
